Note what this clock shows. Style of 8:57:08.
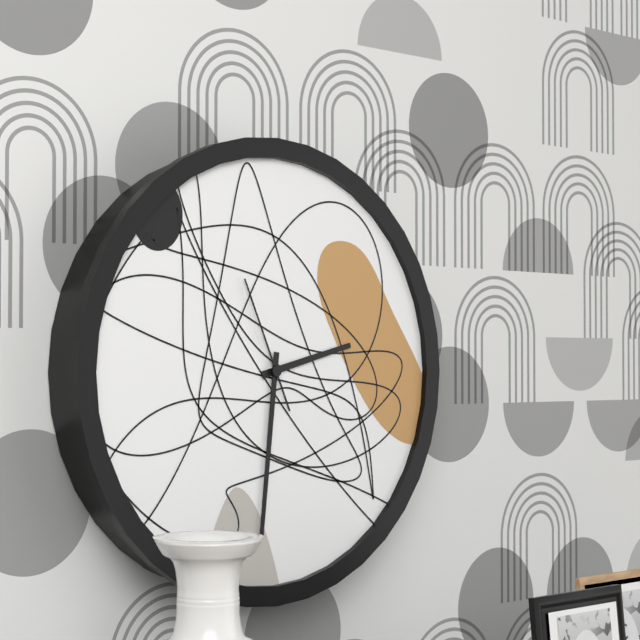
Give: 2:31:56
